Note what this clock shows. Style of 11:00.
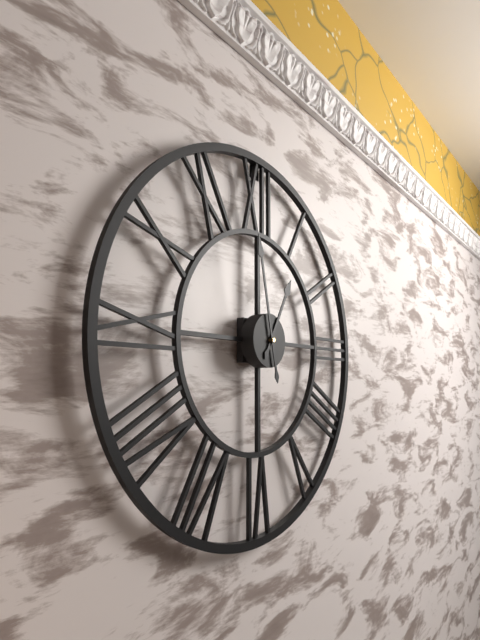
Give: 12:58
